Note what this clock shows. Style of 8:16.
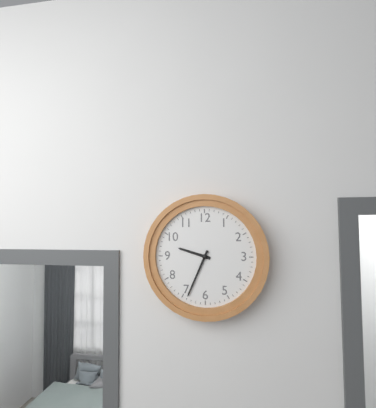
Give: 9:34
